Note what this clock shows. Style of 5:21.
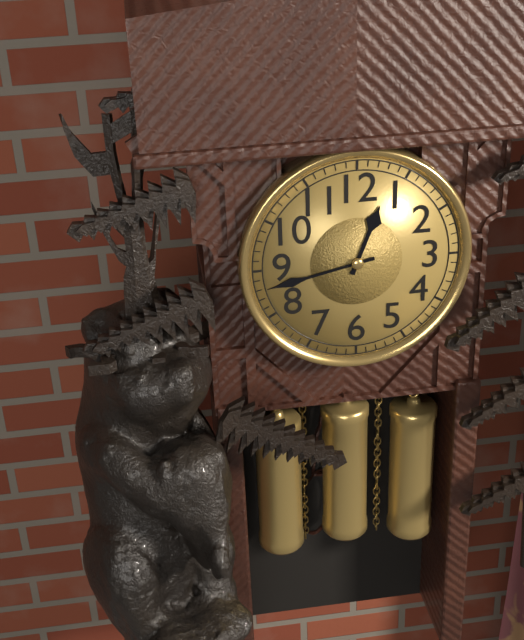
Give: 12:43
